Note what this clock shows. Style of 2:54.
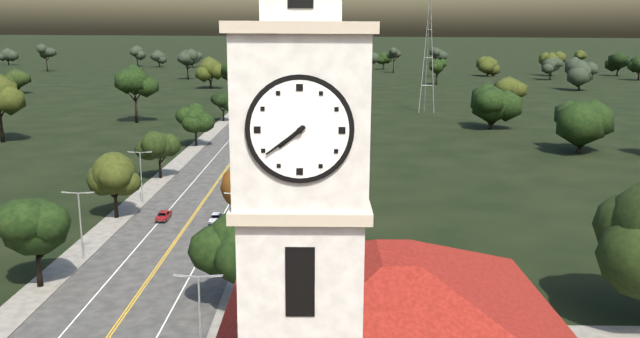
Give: 7:39
